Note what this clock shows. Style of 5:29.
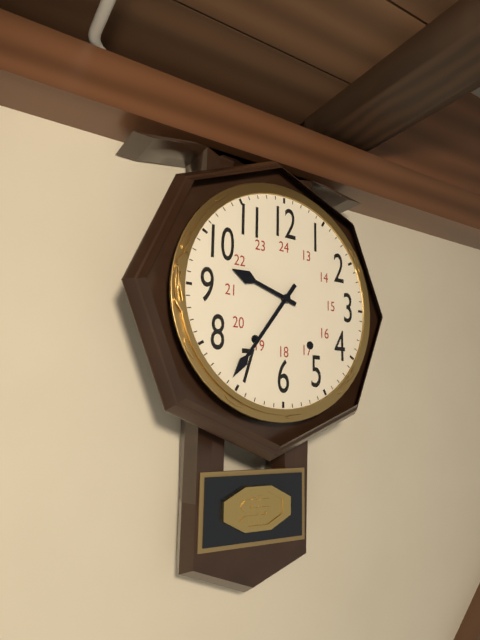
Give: 9:36
